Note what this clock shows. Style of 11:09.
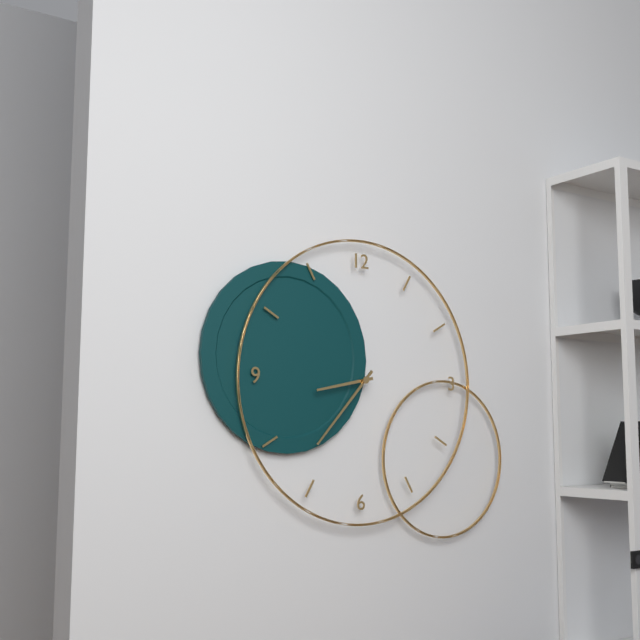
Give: 8:37
